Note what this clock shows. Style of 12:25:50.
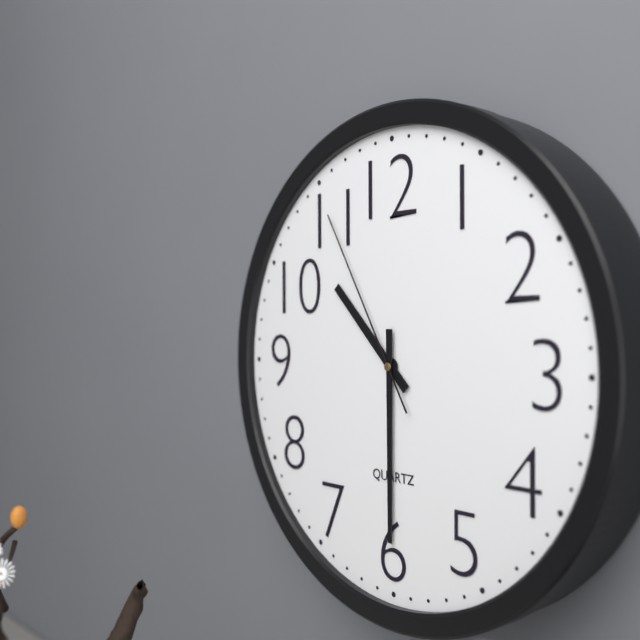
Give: 10:30:55
